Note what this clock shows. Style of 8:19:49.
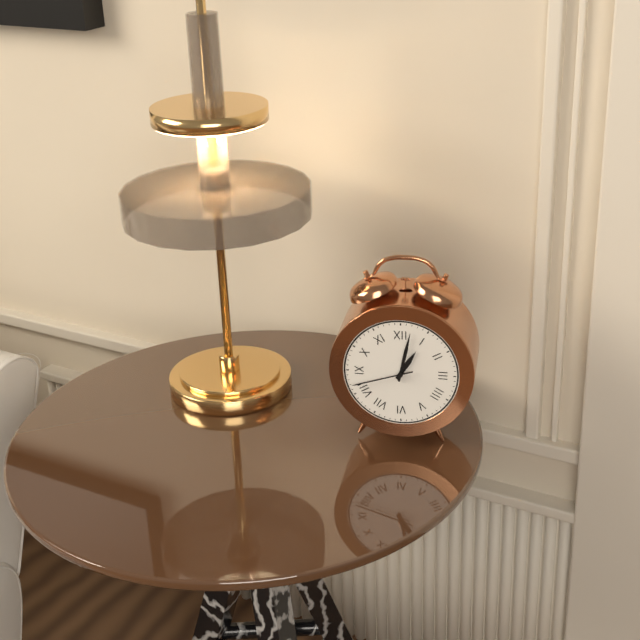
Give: 1:02:42
